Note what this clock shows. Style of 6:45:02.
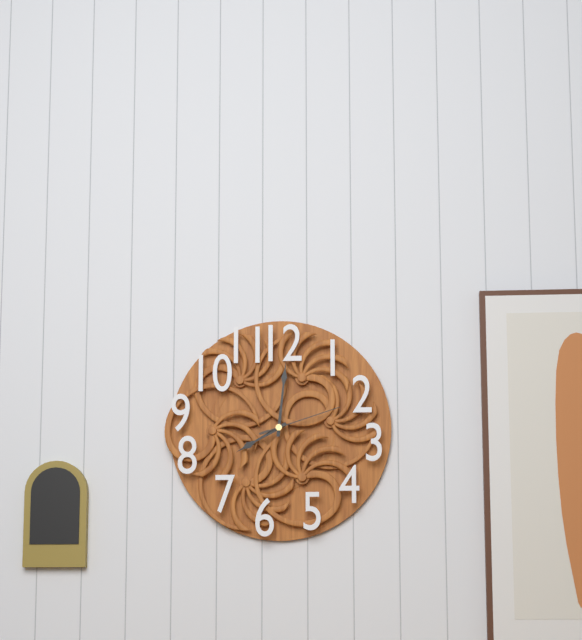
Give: 8:01:12
